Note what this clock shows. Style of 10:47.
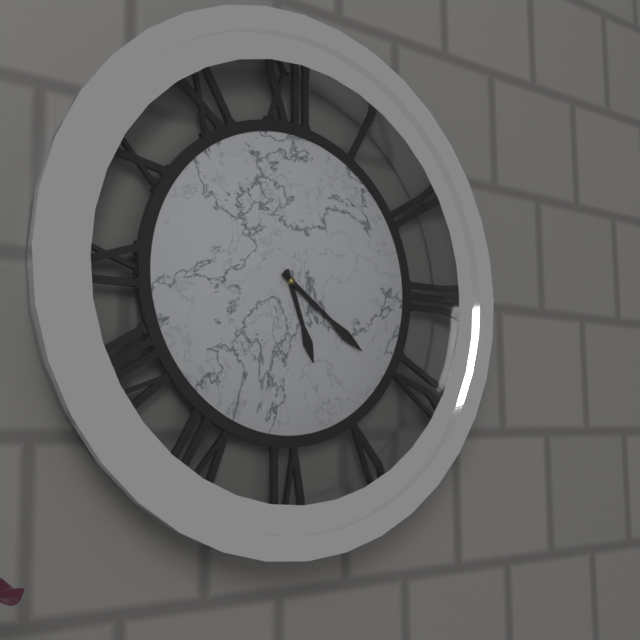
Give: 5:21
